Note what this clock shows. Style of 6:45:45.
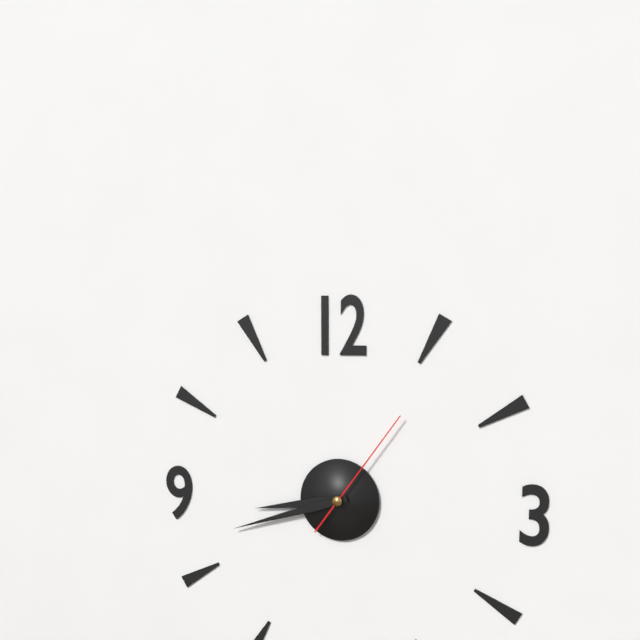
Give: 8:42:06
